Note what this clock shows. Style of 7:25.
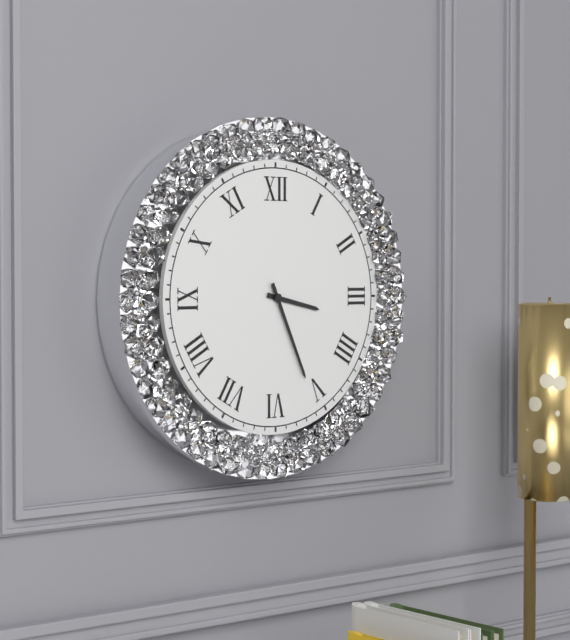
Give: 3:26
